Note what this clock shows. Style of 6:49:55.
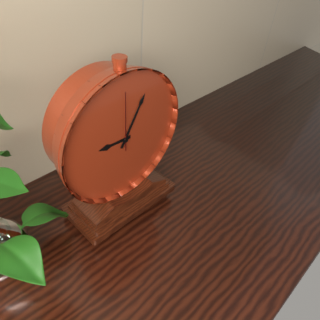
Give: 9:05:00
